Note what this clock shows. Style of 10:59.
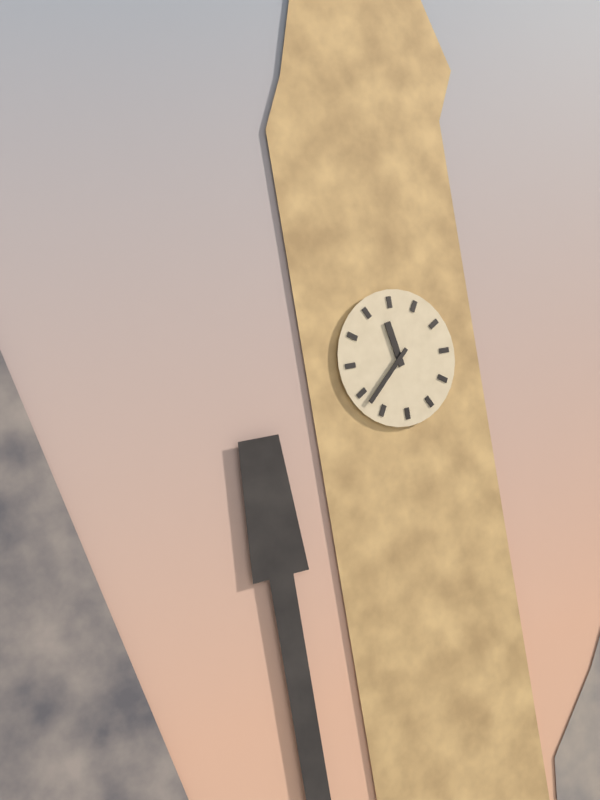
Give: 11:38
